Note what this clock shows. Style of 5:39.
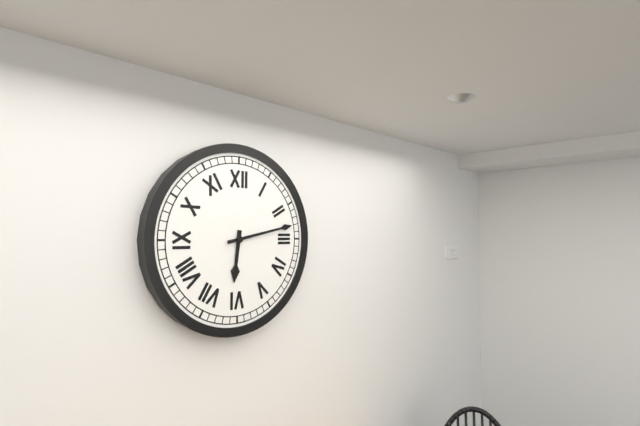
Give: 6:13
